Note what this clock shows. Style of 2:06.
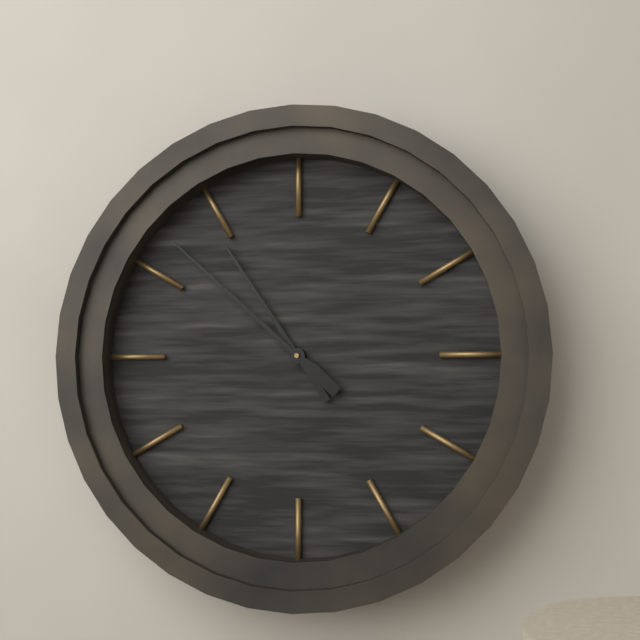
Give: 10:52
